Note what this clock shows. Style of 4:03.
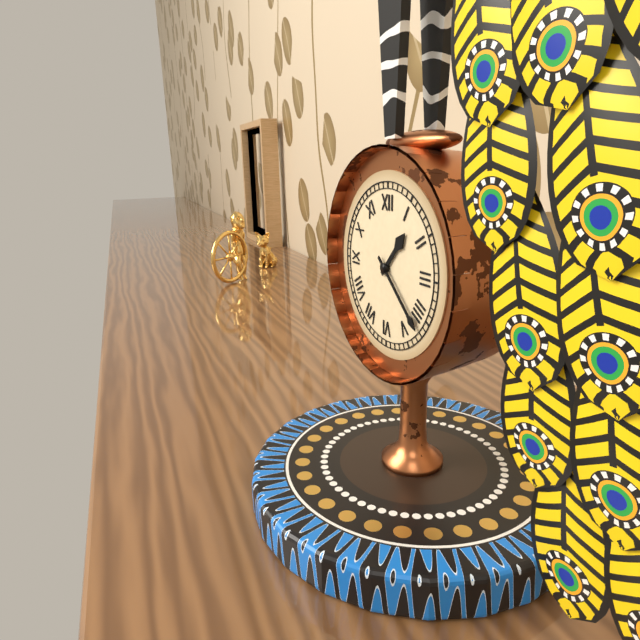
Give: 1:22
